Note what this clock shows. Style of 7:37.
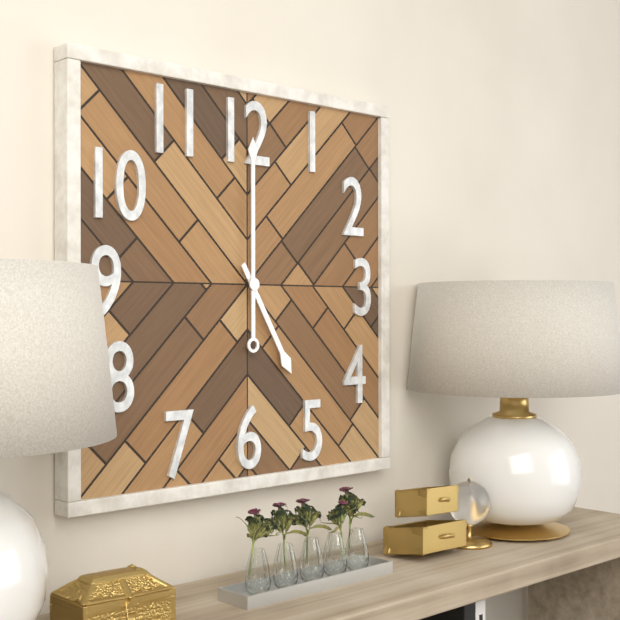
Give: 5:00
